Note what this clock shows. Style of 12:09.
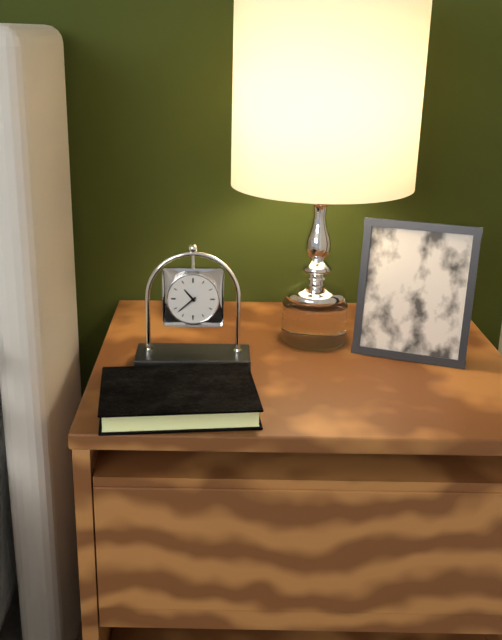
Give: 10:38
